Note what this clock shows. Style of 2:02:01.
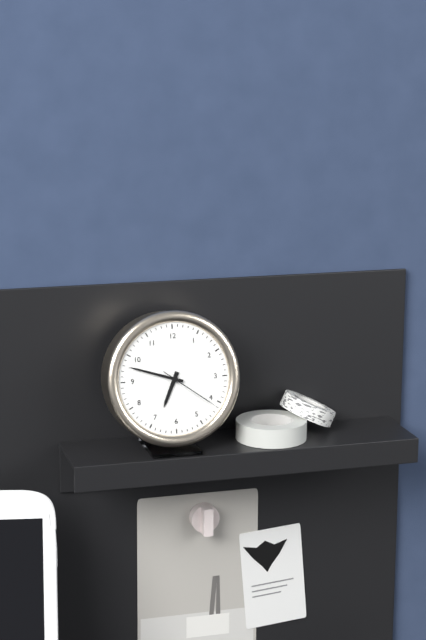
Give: 6:48:21
